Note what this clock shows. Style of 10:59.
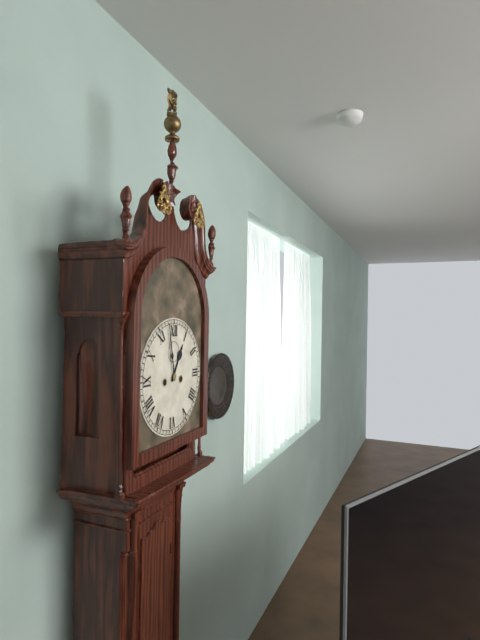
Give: 12:58
